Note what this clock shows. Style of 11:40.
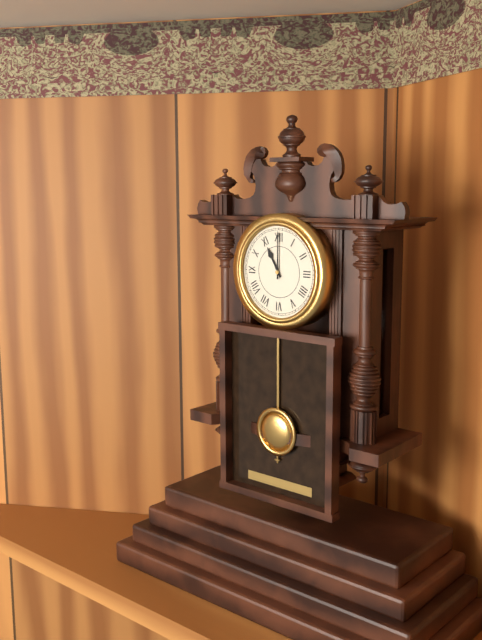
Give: 11:00
